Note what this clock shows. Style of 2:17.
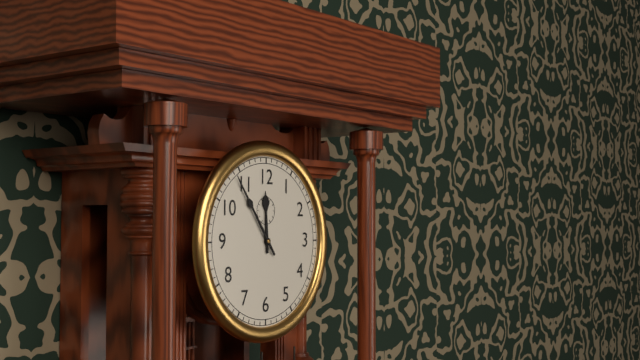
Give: 11:54
